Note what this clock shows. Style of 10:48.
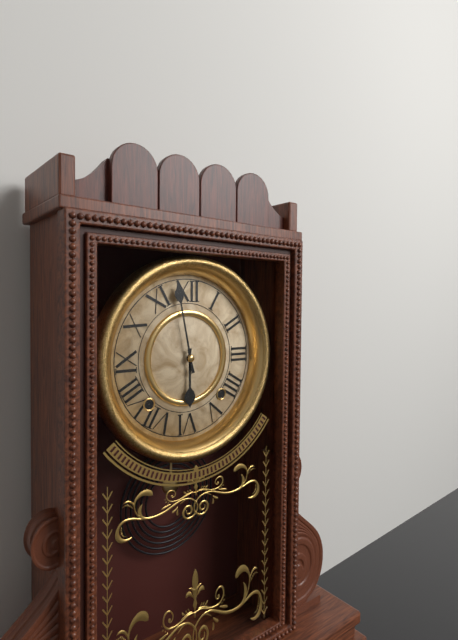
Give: 5:58
